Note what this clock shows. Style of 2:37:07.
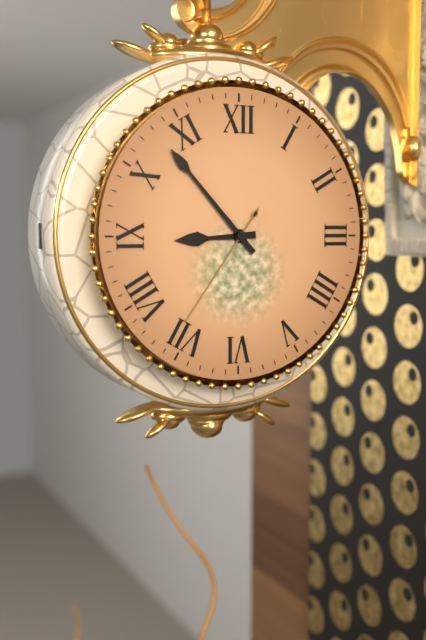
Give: 8:53:36
